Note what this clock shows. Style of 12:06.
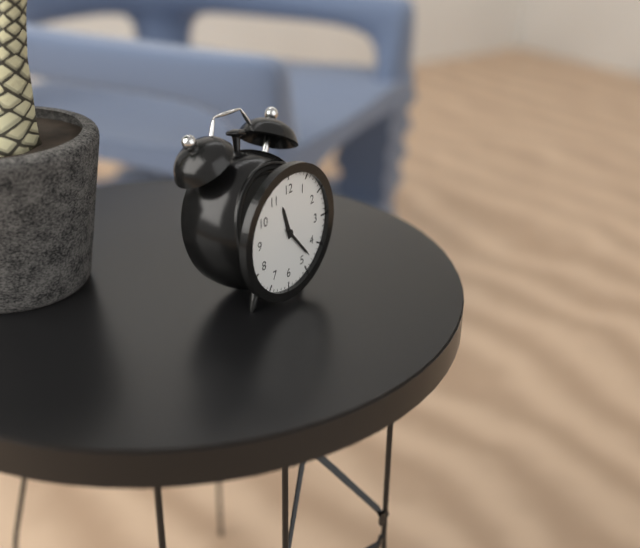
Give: 11:23
